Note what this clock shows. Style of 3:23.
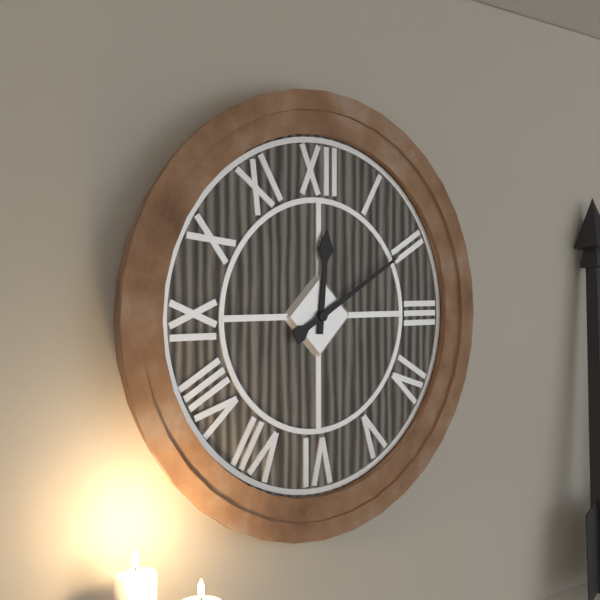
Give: 12:10
